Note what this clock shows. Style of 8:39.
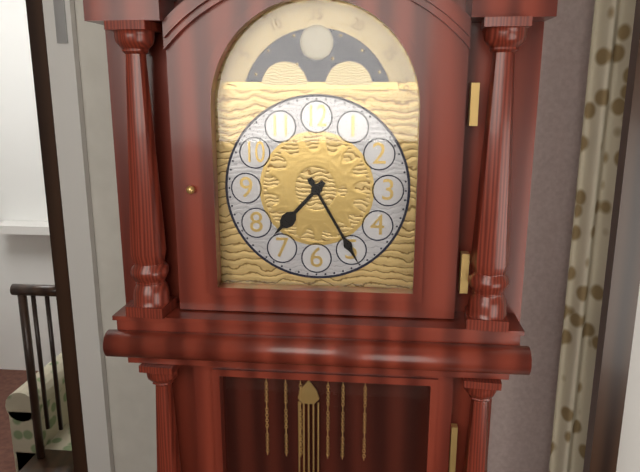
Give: 7:25
